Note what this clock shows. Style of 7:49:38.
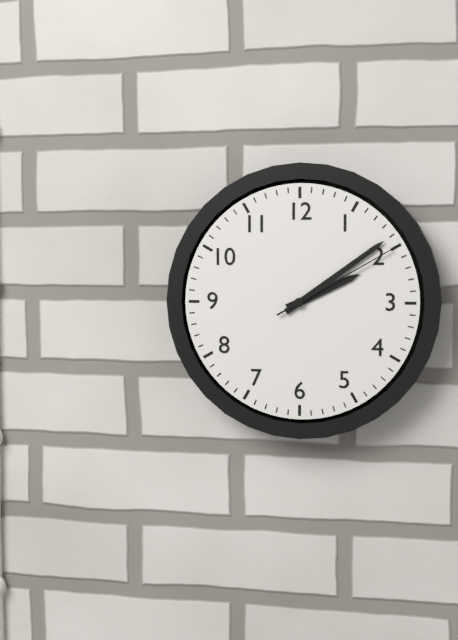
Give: 2:09:10
